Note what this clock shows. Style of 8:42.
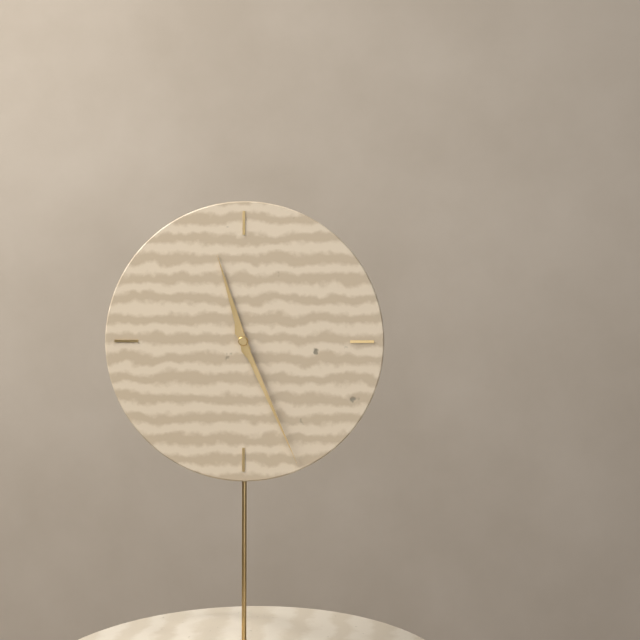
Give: 11:26
